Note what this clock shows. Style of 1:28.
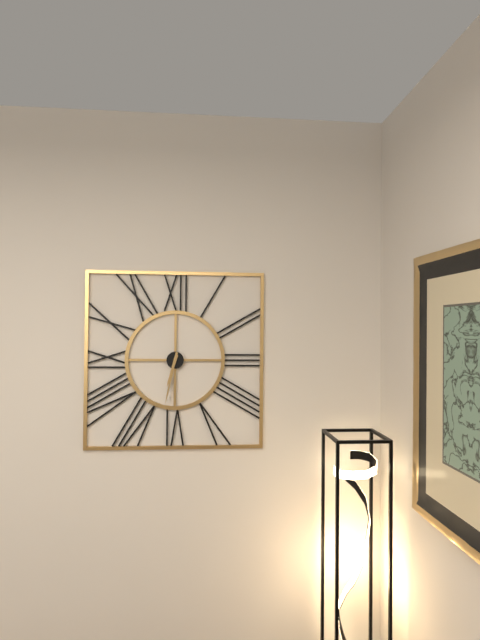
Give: 6:32
